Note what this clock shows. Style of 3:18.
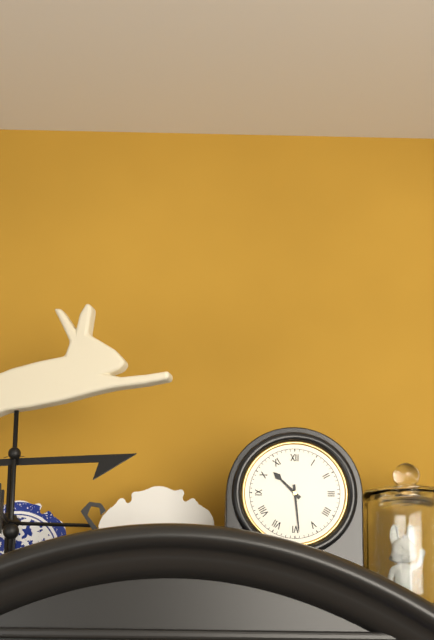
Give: 10:29
